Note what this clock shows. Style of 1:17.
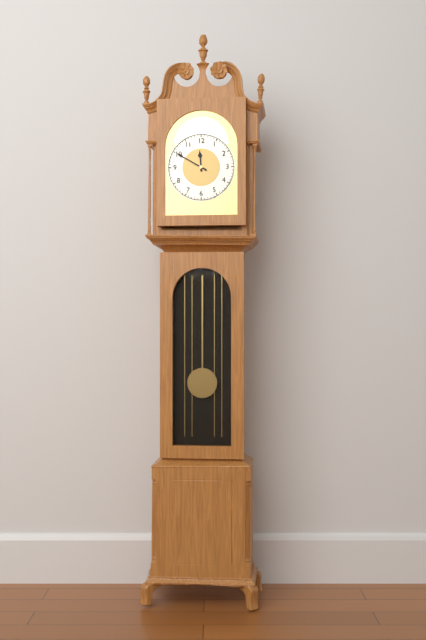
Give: 11:50
